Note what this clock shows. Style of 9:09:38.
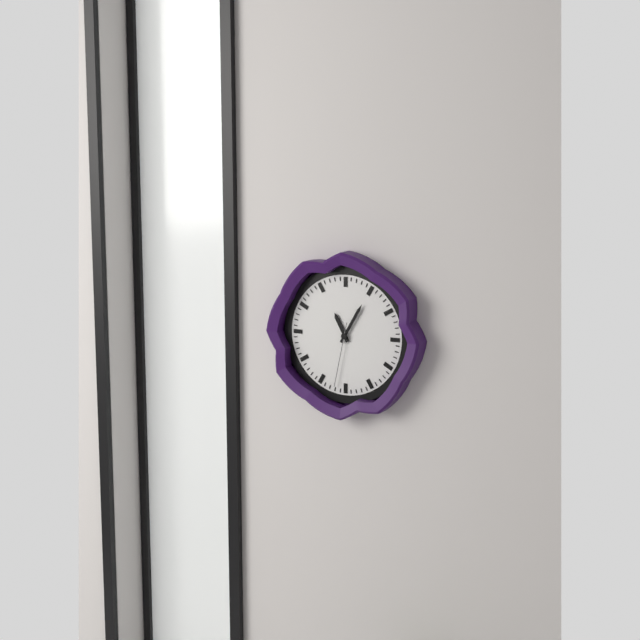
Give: 11:05:32
